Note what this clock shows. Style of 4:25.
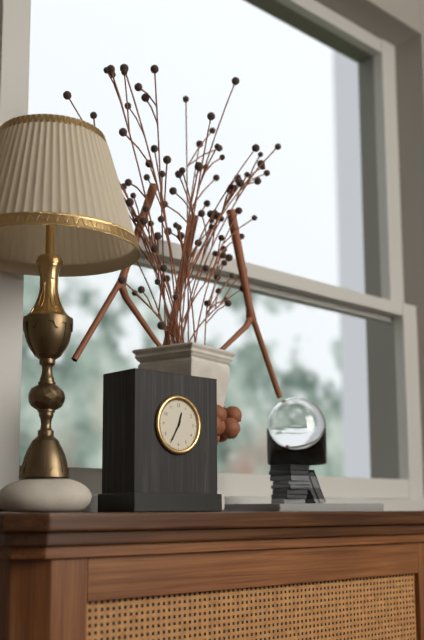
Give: 12:35
